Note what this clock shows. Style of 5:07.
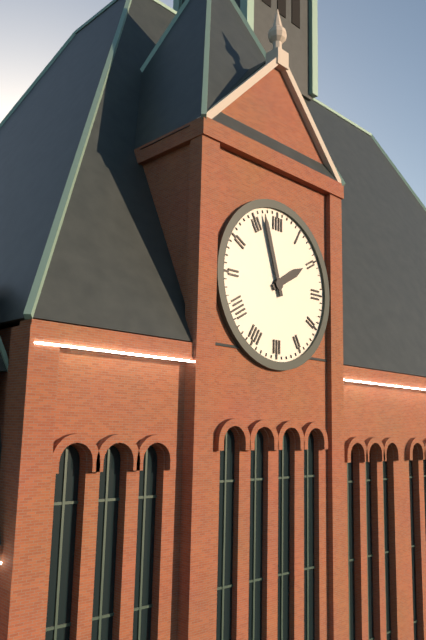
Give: 1:57
